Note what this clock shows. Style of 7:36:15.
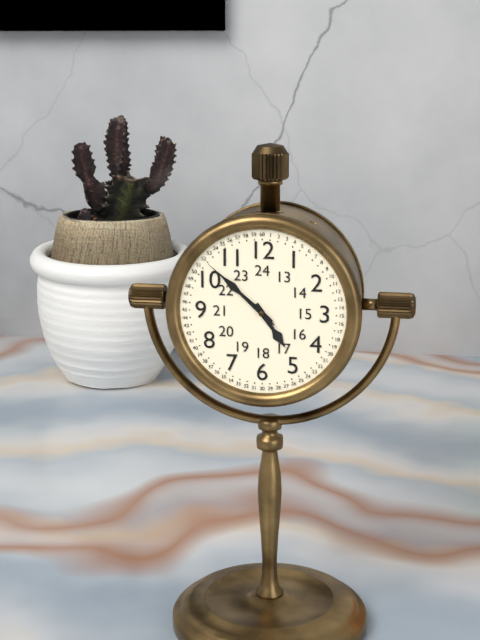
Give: 4:52:52
